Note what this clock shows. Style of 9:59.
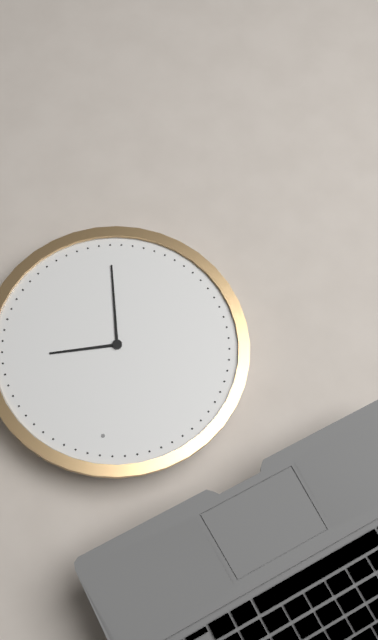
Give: 2:28
